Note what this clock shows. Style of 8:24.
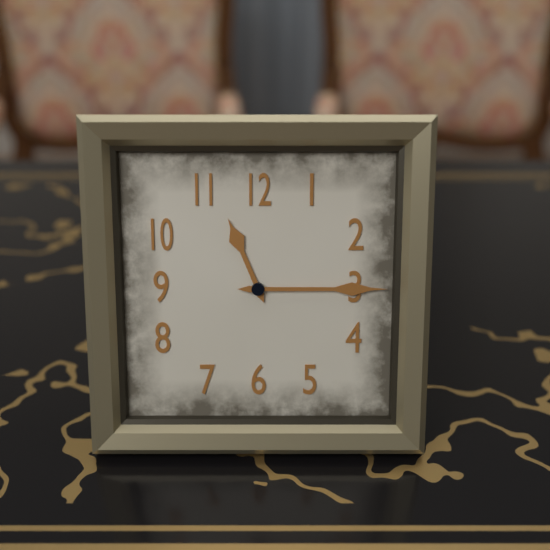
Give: 11:15
